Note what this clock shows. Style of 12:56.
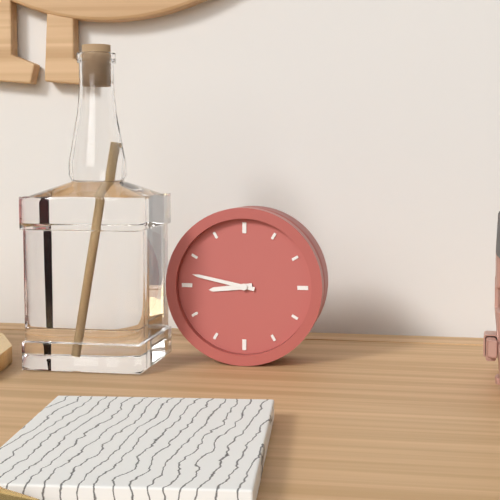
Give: 8:47
